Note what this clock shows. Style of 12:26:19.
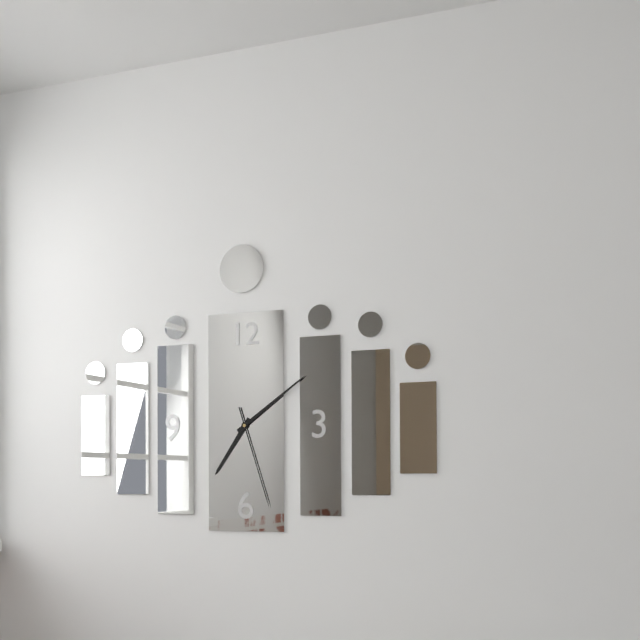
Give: 7:09:27
